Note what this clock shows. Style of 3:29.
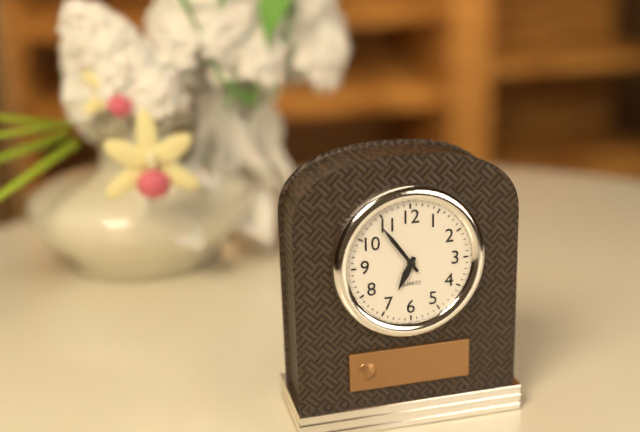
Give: 6:54
